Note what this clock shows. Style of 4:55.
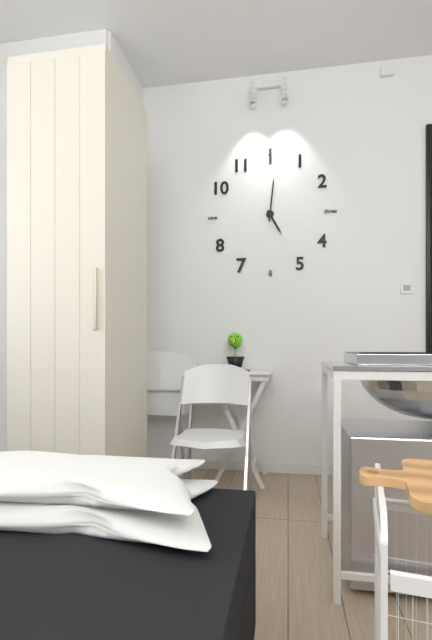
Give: 5:01
